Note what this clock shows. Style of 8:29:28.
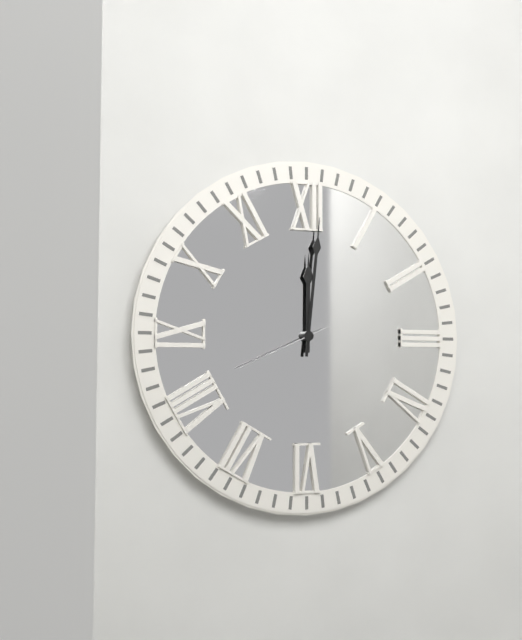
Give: 12:01:41
